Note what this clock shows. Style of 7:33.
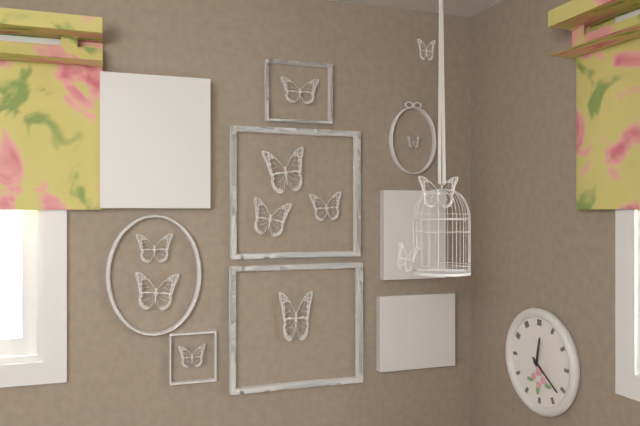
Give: 12:21
